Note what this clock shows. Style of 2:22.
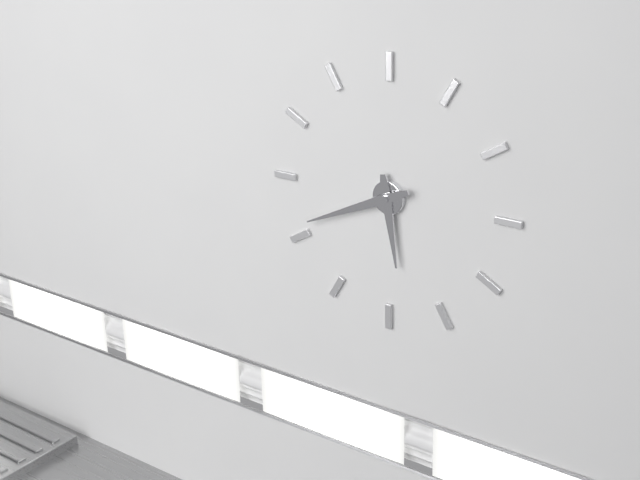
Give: 5:41
